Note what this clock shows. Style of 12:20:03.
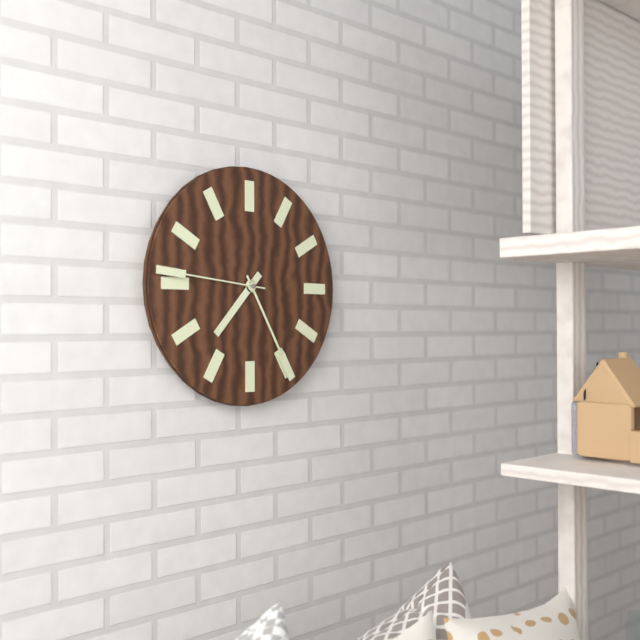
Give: 7:25:46
